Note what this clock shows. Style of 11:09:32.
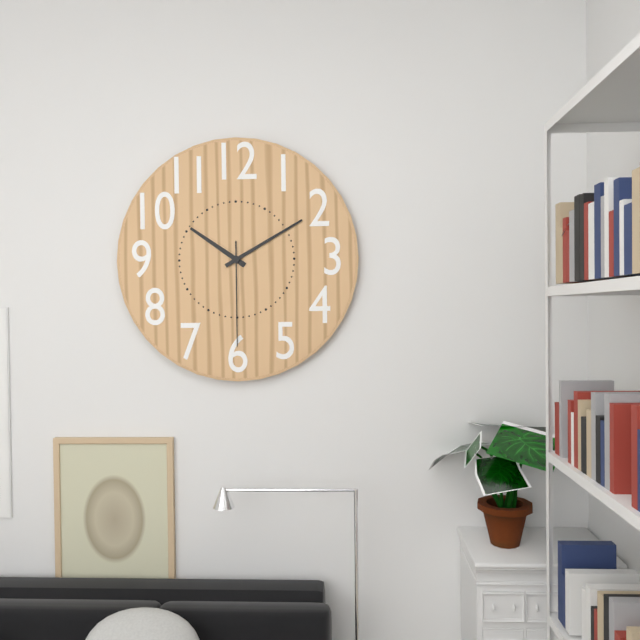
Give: 10:10:30
